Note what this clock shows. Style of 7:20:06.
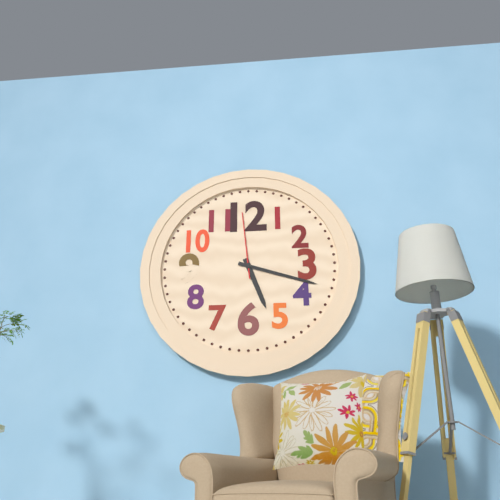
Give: 5:18:59
